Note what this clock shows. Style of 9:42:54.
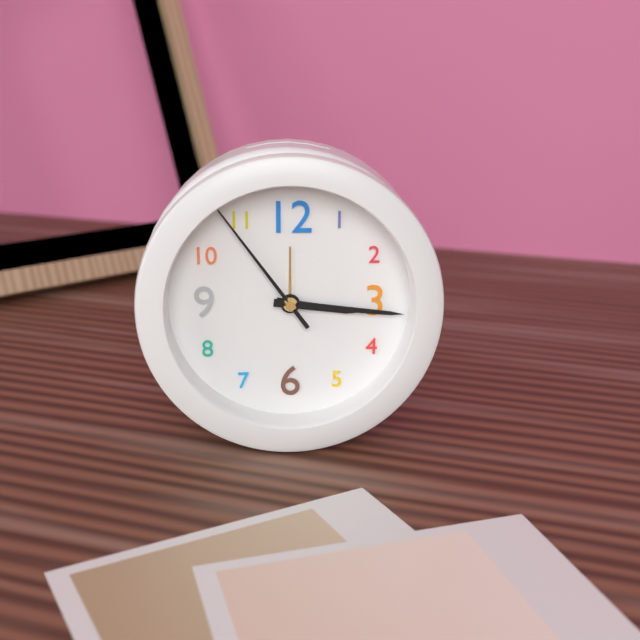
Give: 3:16:54
